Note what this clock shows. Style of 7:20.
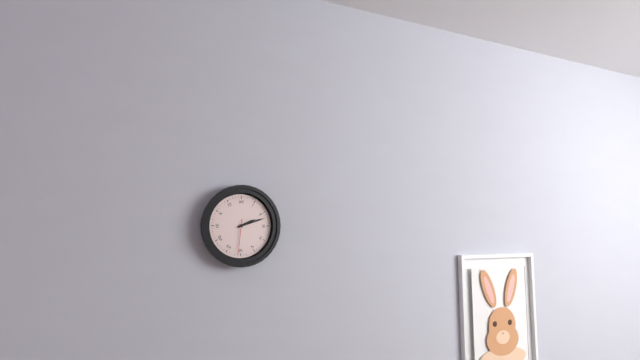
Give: 2:12
